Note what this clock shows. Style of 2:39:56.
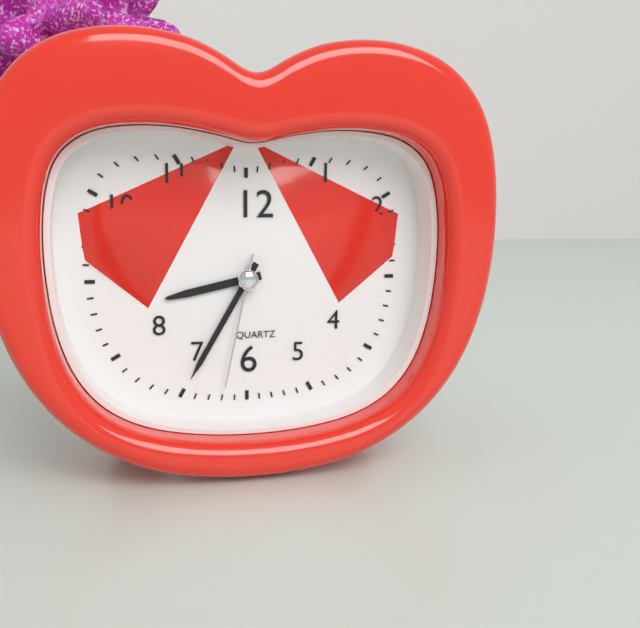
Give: 8:35:32
